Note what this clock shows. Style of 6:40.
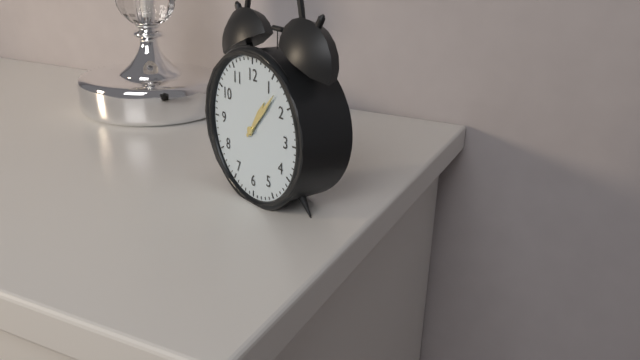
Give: 1:07
